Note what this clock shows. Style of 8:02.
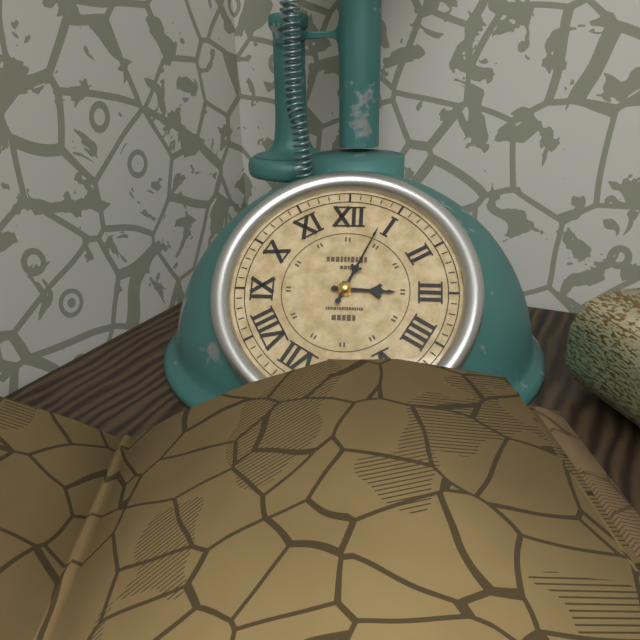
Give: 3:04
